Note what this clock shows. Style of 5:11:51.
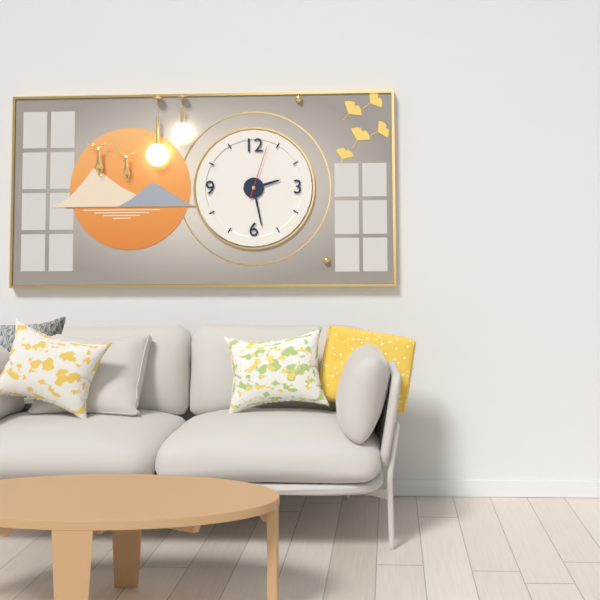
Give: 2:28:03
